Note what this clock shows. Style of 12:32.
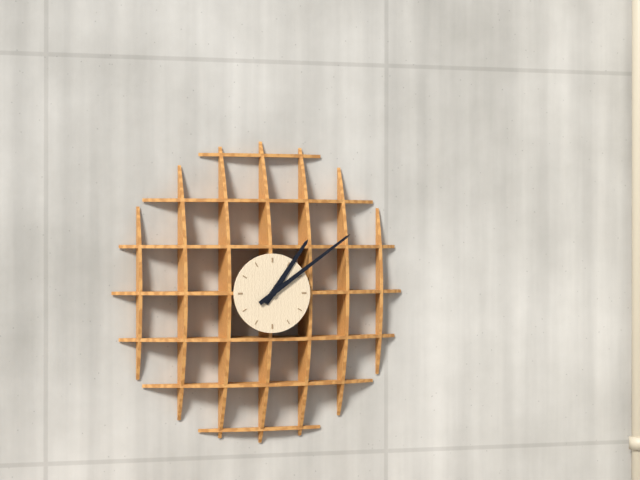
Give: 1:09
